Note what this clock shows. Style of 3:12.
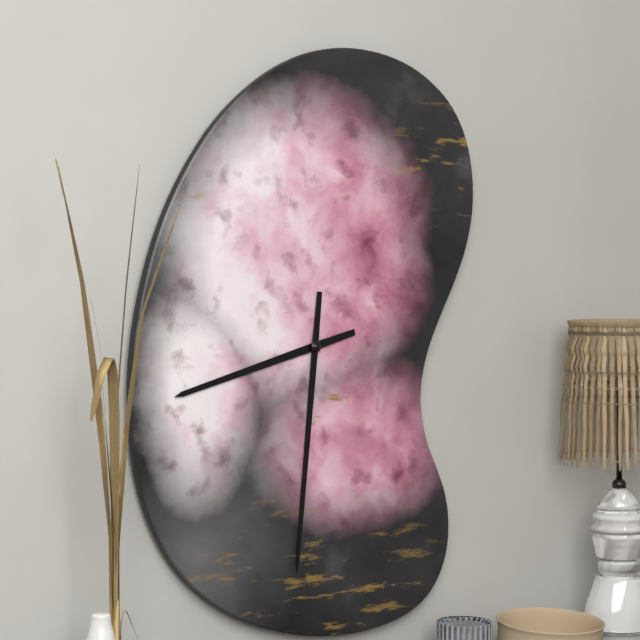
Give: 8:31
